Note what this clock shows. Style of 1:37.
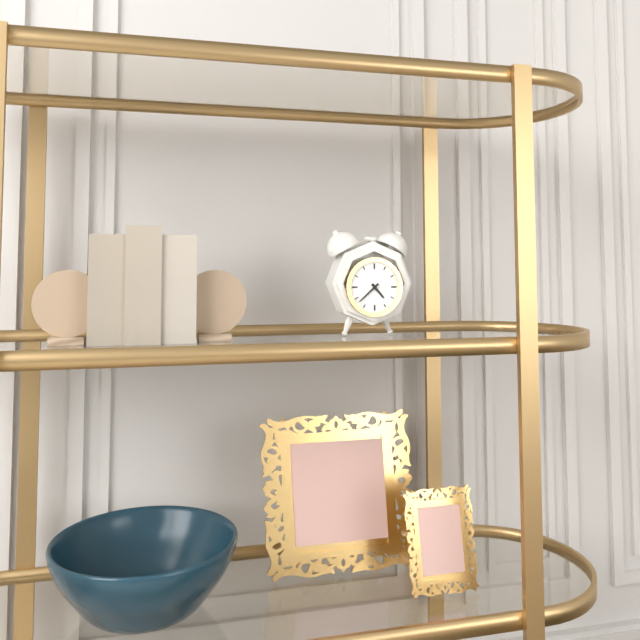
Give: 4:38
